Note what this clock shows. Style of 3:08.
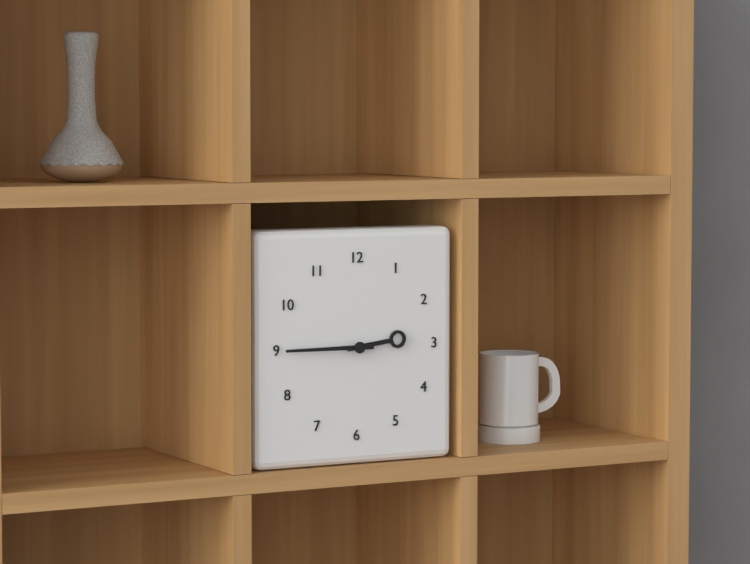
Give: 2:45
